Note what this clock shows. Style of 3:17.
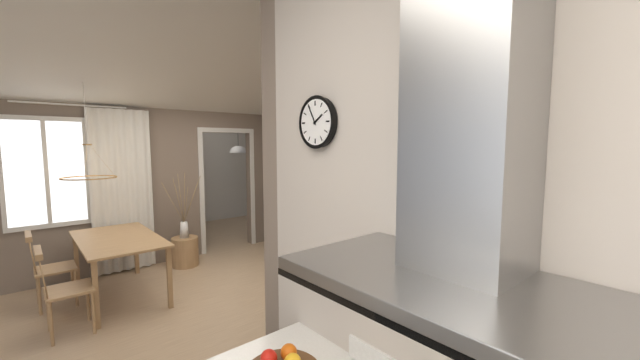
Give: 1:55
